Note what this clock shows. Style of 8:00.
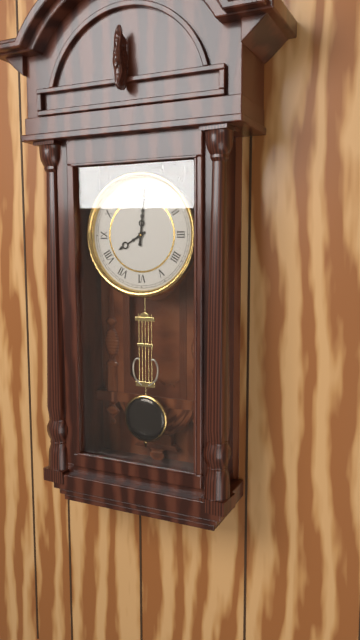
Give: 8:01
